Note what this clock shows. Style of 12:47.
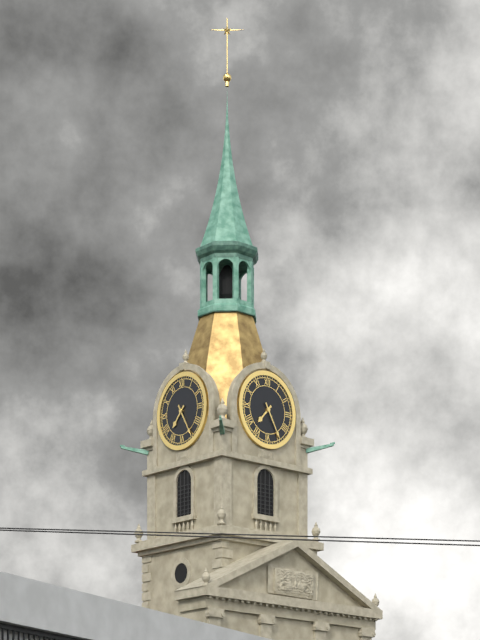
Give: 7:25
